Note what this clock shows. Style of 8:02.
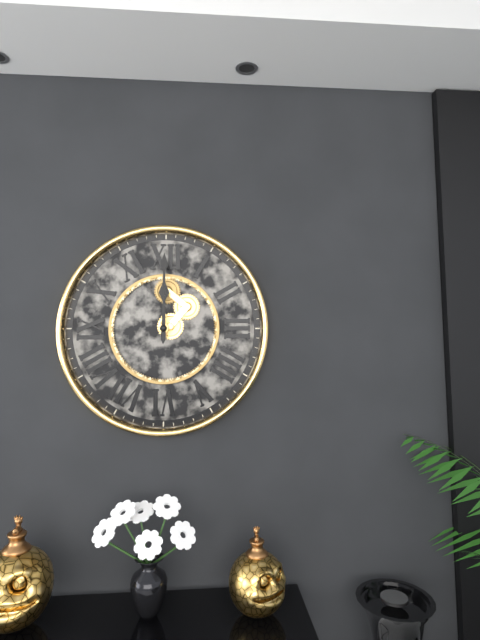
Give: 12:00
